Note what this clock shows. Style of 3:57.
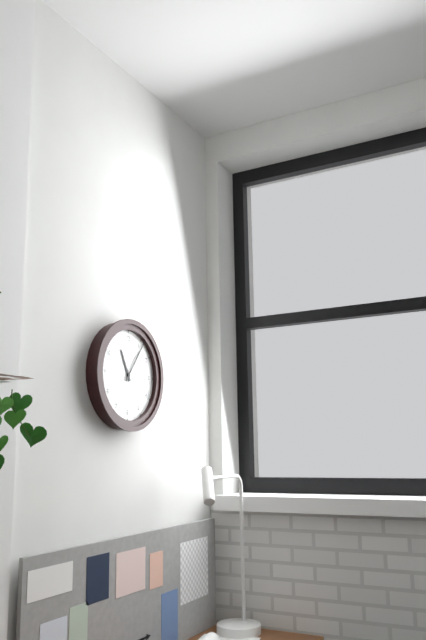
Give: 11:06
